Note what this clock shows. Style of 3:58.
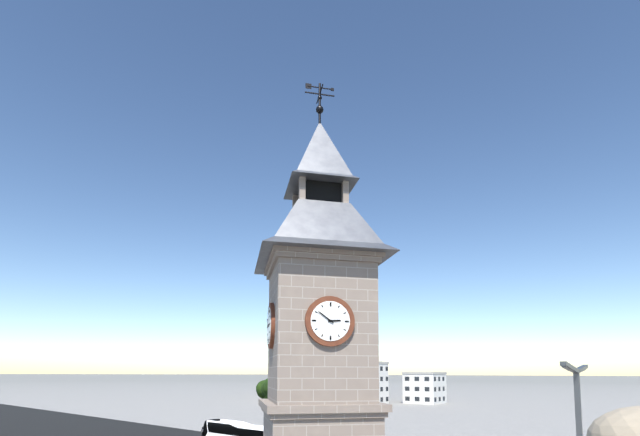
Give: 2:51
